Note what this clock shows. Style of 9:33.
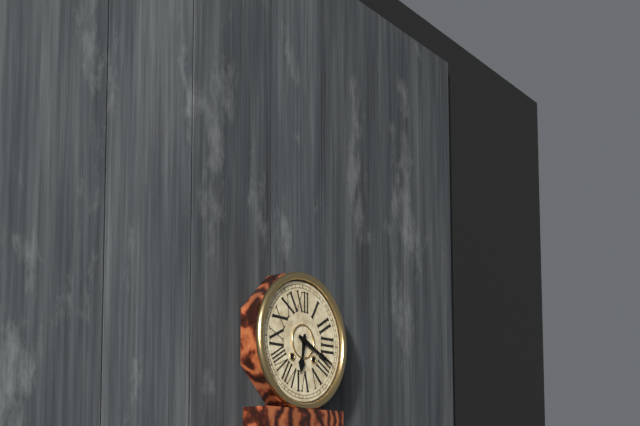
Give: 6:19
